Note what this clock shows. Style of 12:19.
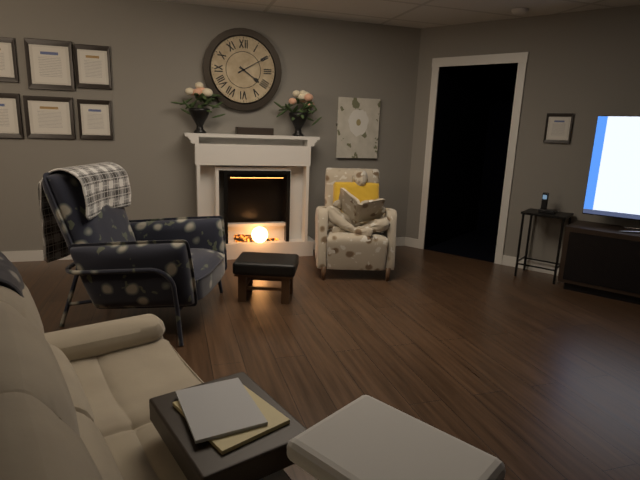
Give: 4:10
